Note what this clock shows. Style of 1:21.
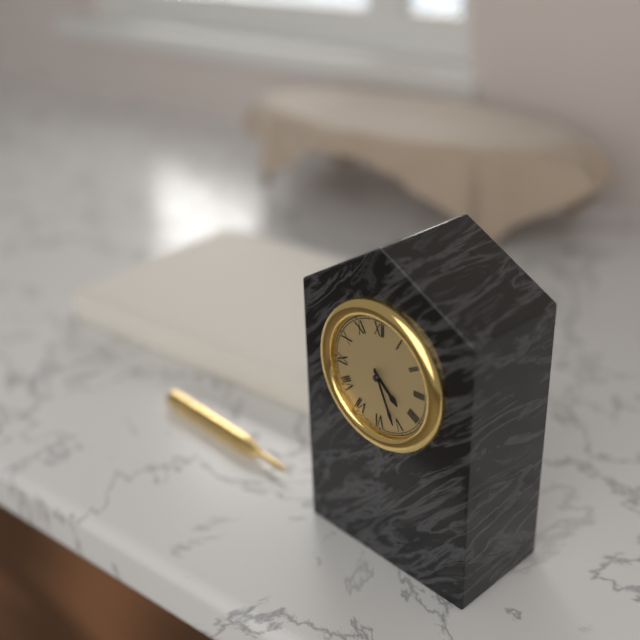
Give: 4:26
